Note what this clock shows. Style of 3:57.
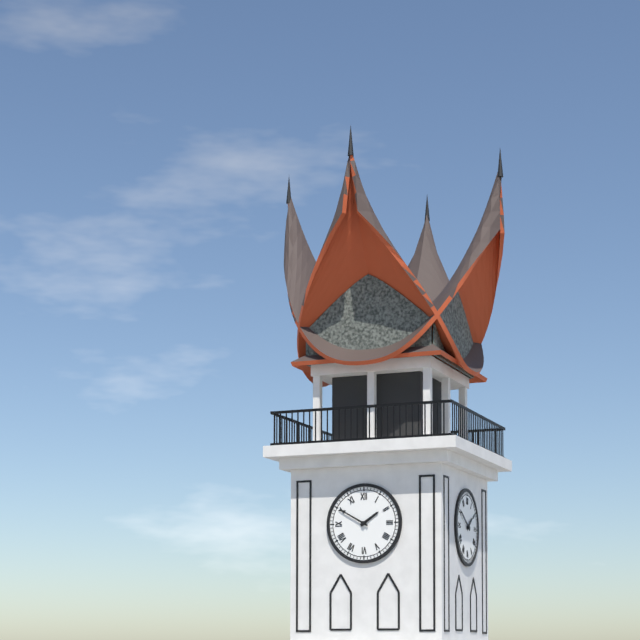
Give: 1:50
